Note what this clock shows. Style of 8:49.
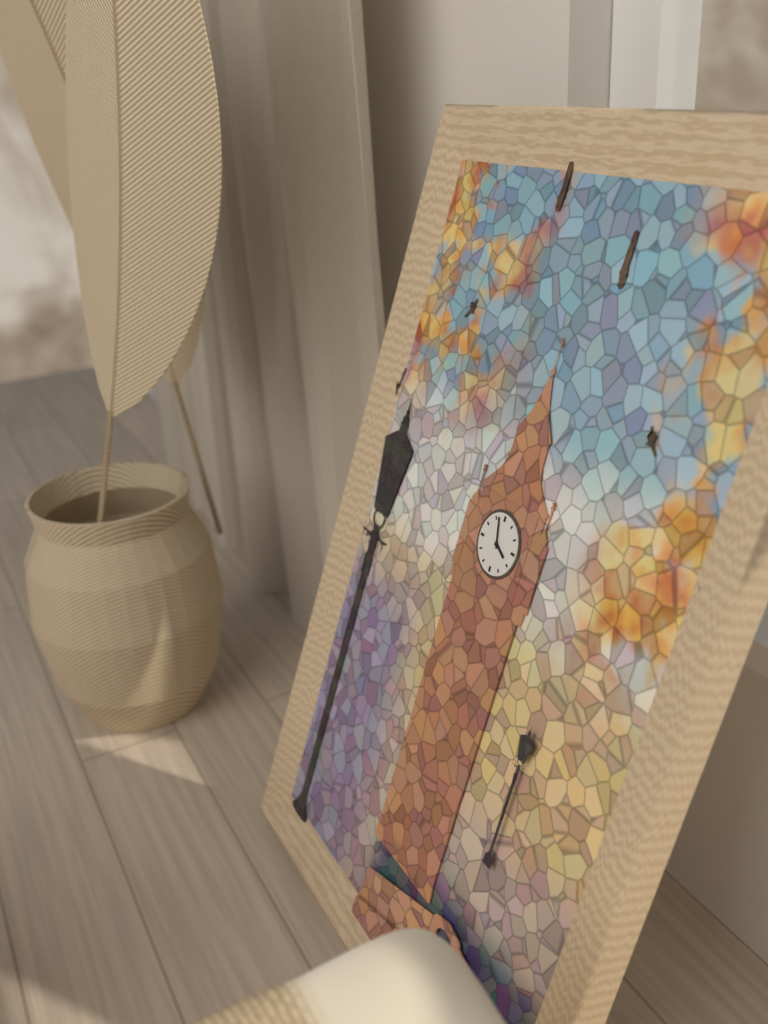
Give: 3:57
